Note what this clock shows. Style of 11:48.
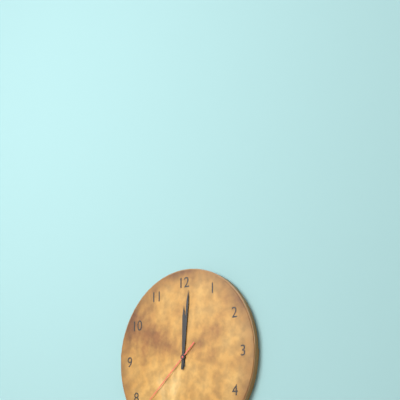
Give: 12:01
